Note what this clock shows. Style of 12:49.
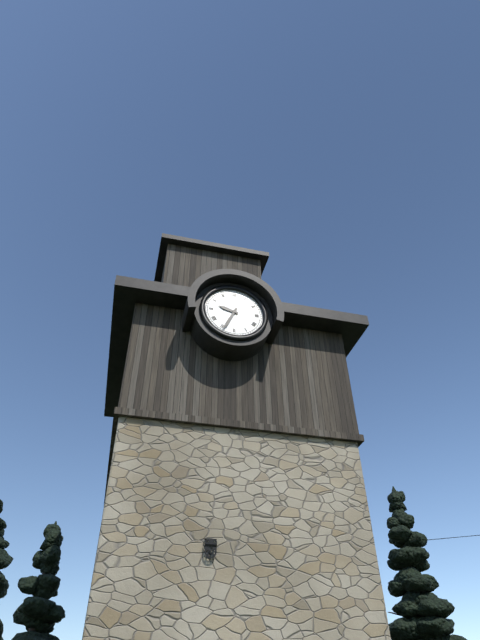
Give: 9:34
